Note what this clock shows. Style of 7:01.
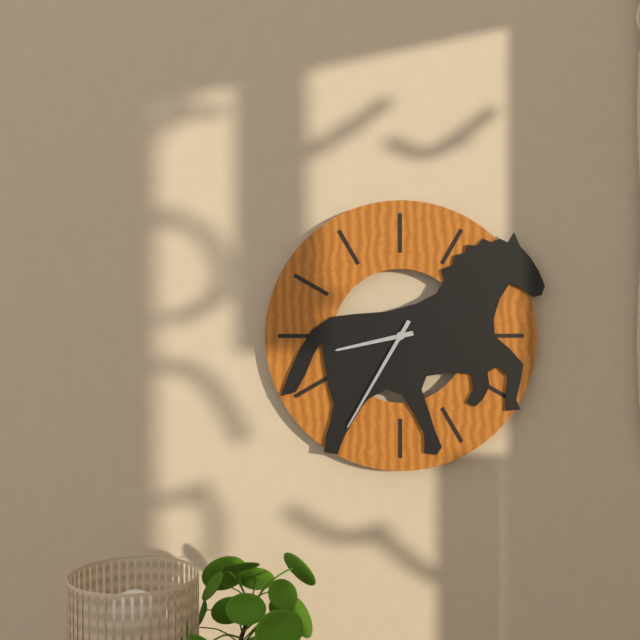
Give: 8:35
